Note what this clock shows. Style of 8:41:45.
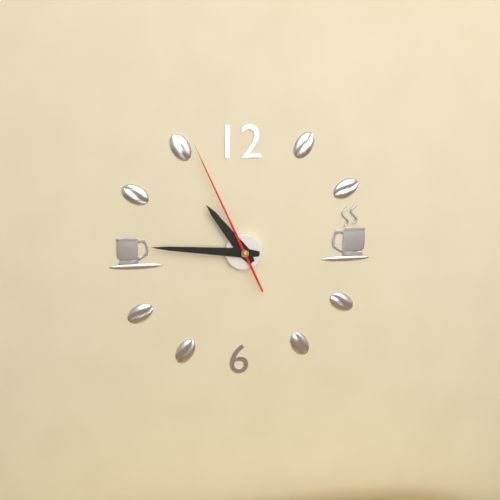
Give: 10:46:56
